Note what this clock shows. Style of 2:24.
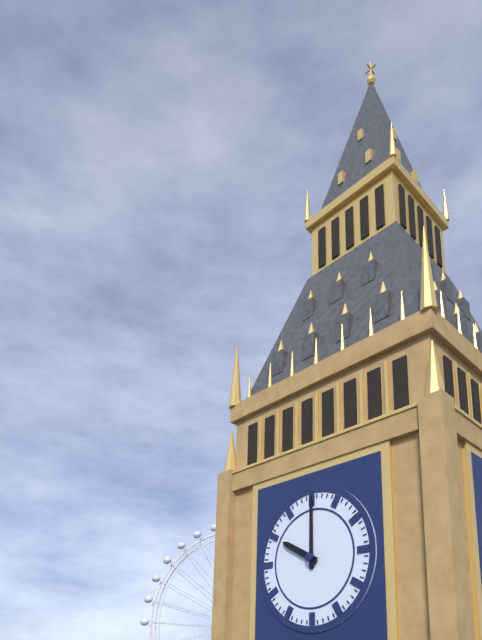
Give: 10:00
